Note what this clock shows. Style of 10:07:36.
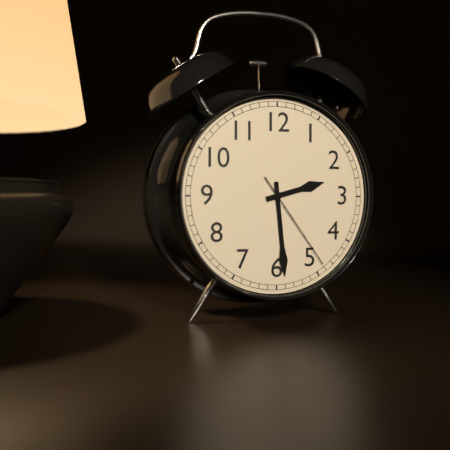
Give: 2:29:24
